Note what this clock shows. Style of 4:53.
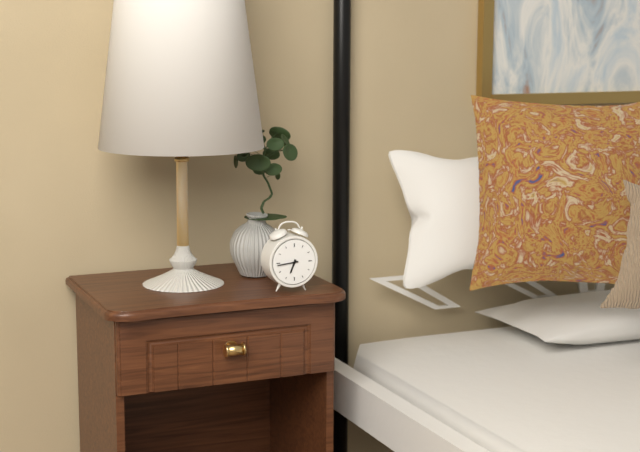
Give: 6:44
